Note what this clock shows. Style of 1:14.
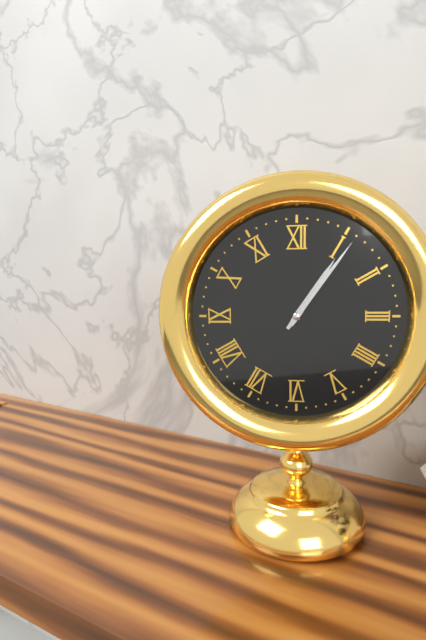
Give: 1:06
